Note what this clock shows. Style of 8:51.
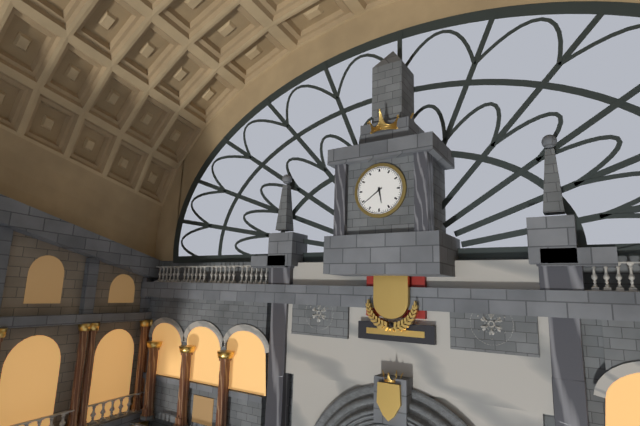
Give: 5:39
